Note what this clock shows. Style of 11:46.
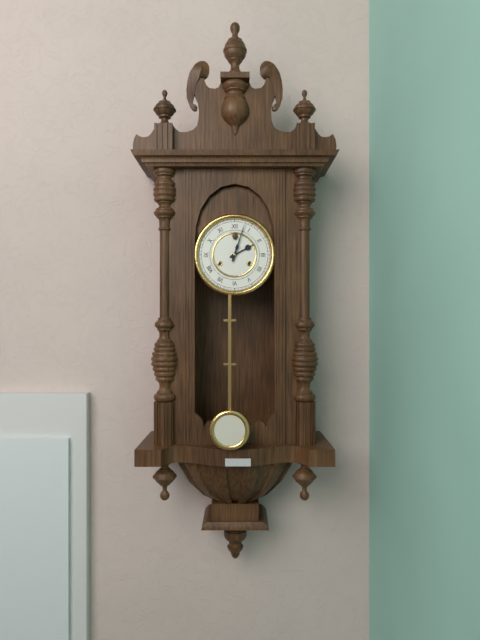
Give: 2:03
